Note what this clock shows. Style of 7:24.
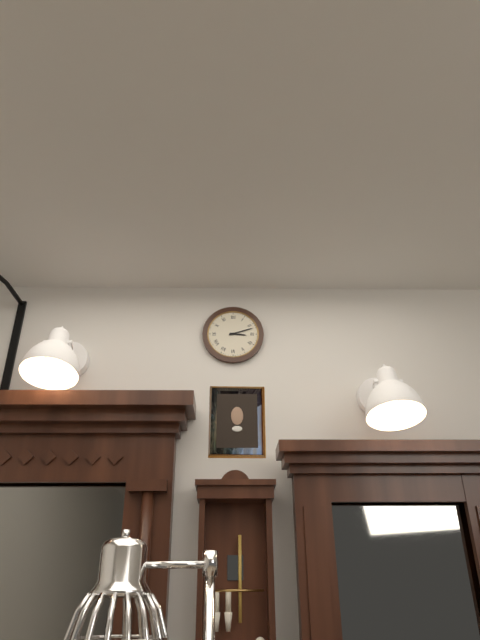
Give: 3:12
